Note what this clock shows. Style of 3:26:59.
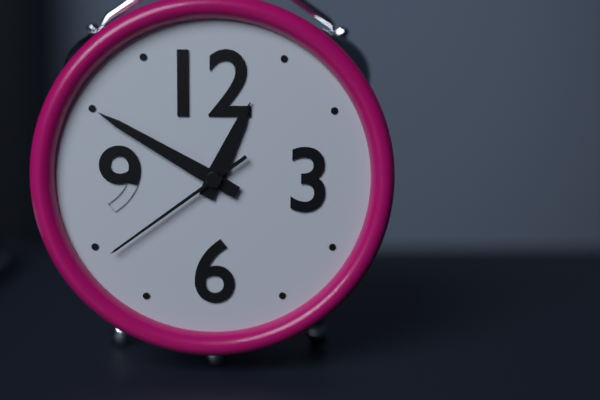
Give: 12:50:39
